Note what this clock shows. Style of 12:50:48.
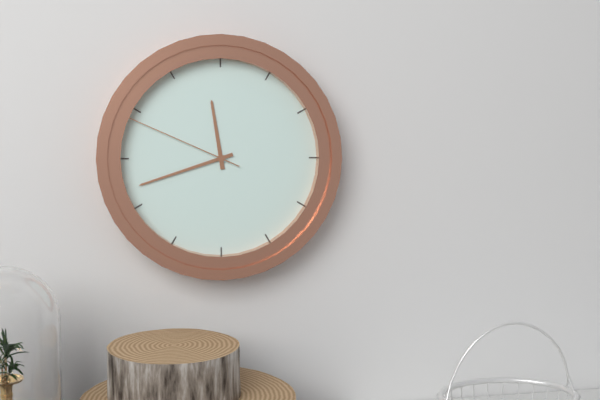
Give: 11:42:49
